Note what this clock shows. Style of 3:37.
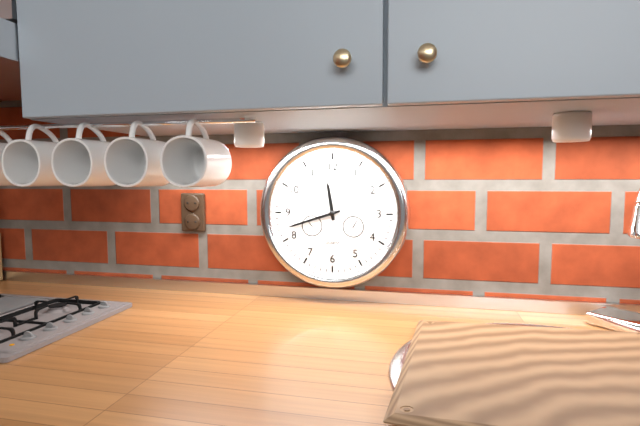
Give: 11:42
